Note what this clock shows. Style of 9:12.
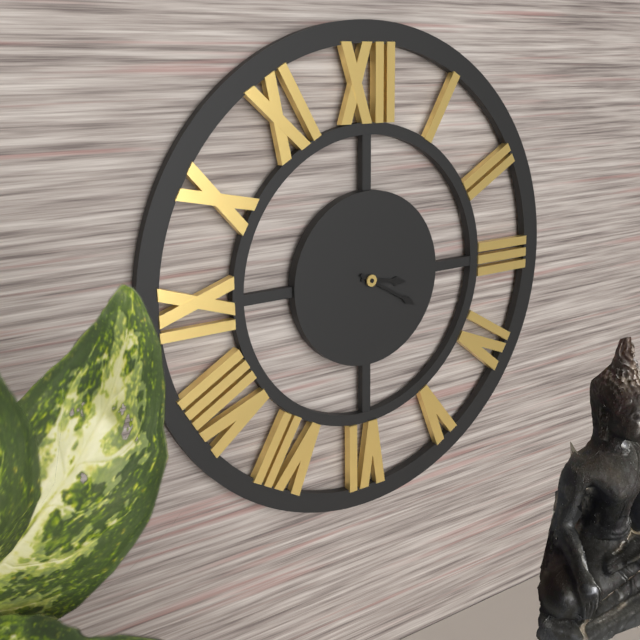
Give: 3:20
